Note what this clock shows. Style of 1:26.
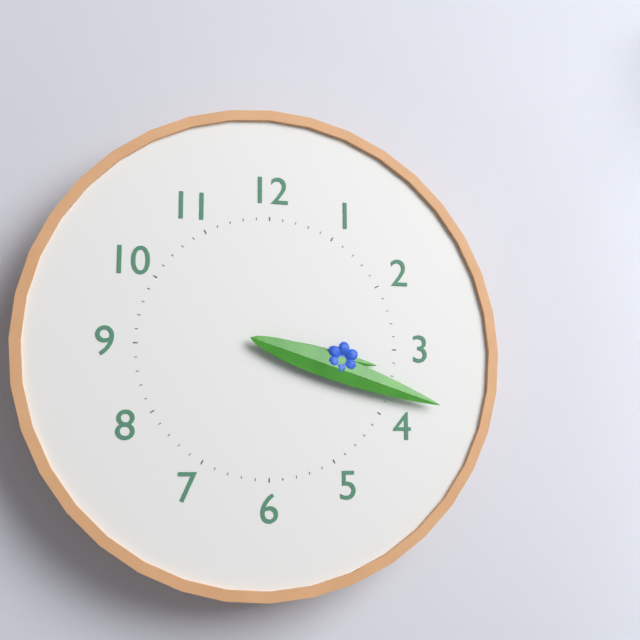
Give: 3:18
